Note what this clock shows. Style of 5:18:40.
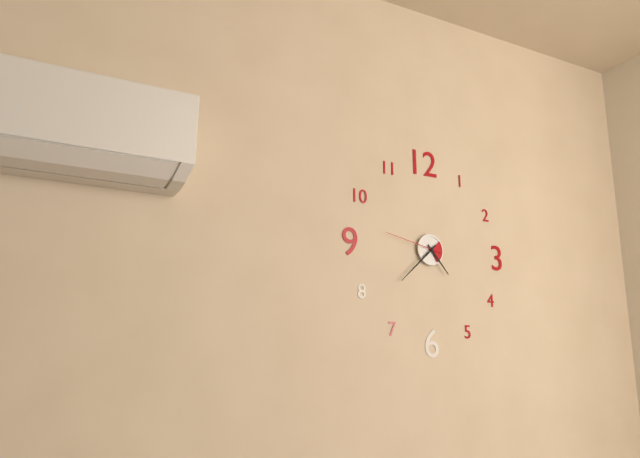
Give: 4:38:47
